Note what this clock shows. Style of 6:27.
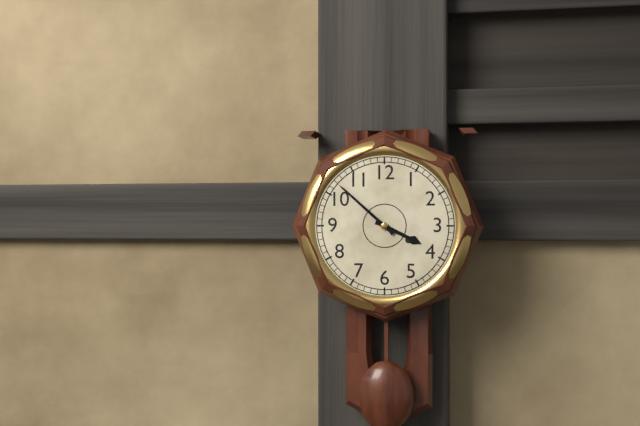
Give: 3:52
